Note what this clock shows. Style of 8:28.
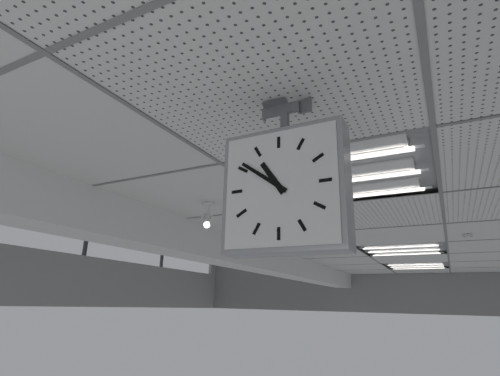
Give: 10:51
